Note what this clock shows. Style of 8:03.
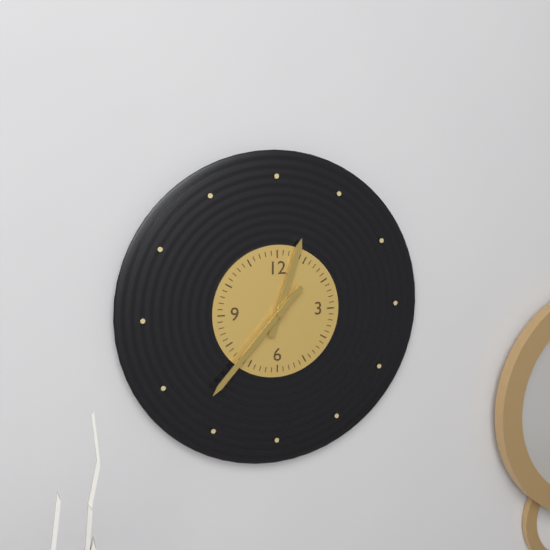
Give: 12:37
